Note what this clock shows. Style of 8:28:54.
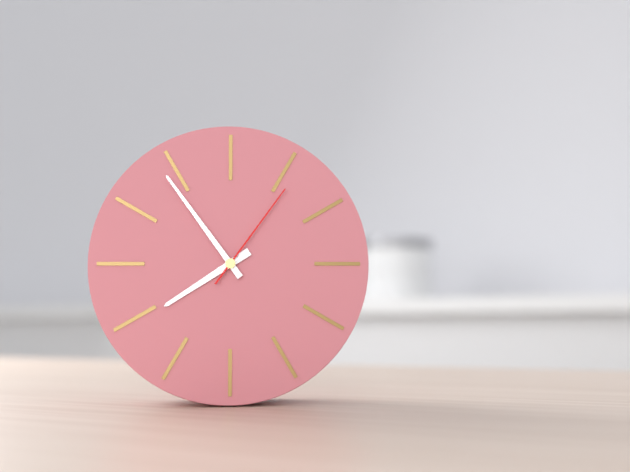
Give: 7:54:06
